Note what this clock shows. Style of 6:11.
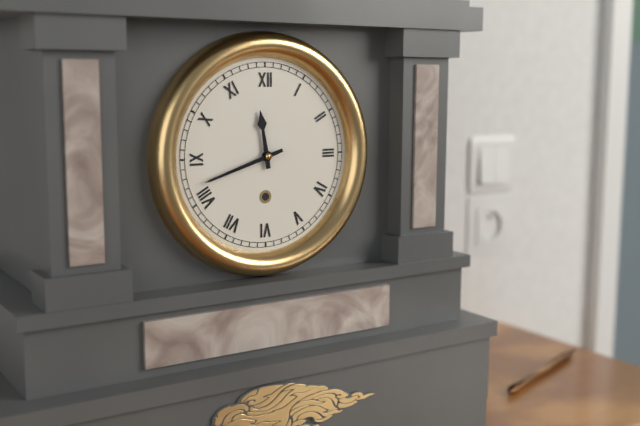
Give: 11:42
